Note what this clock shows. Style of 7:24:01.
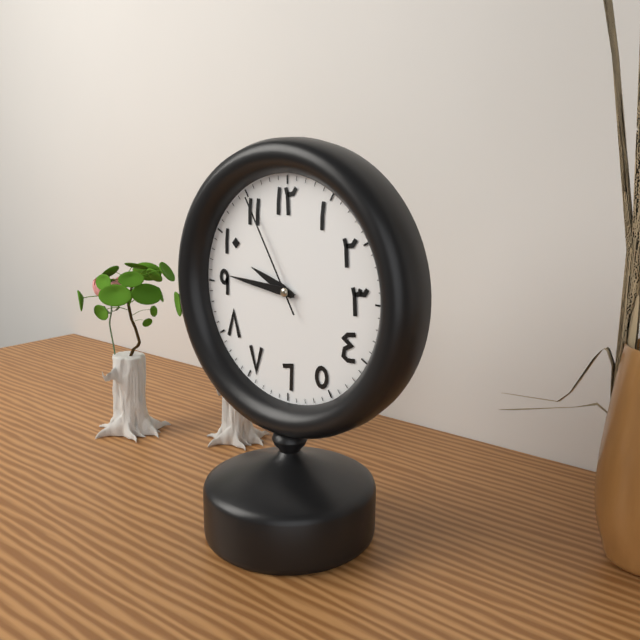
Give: 9:46:55
